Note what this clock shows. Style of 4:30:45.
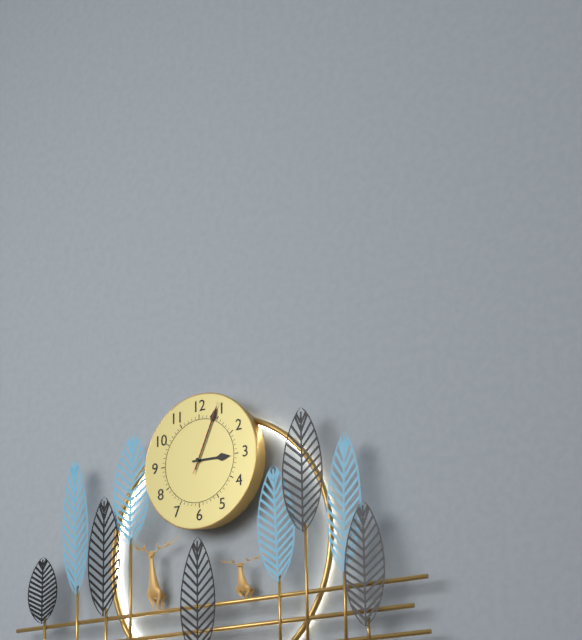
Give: 3:04:04
